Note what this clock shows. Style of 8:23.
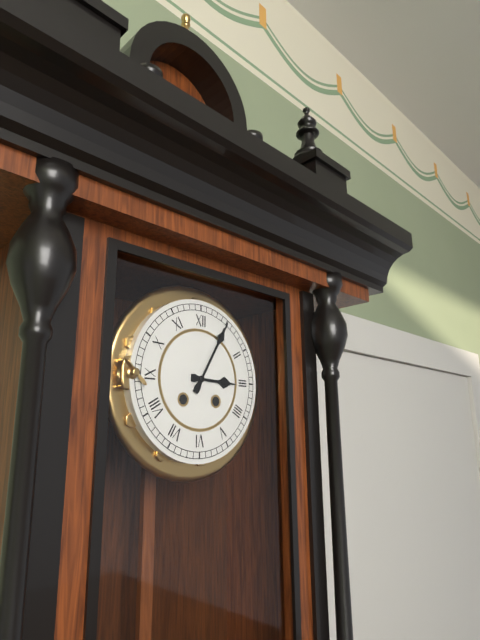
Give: 3:05
